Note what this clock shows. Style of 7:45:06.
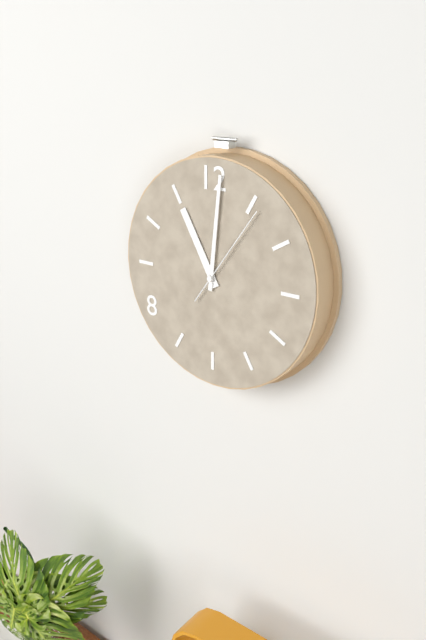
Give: 11:01:06
